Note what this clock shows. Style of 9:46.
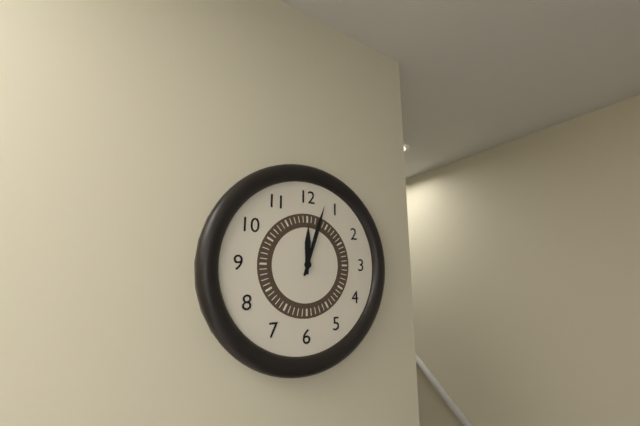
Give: 12:03
